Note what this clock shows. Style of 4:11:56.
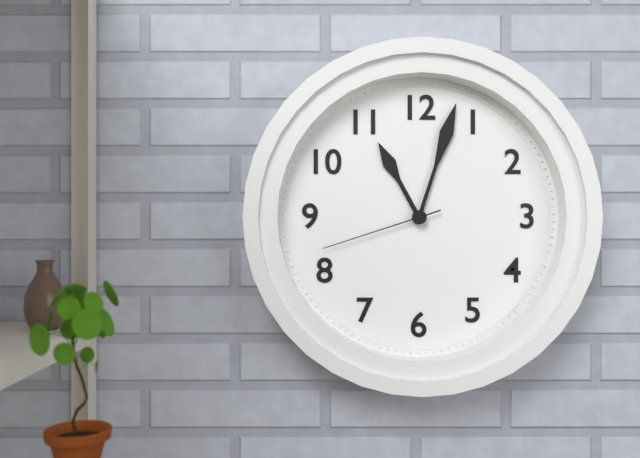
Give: 11:03:42
